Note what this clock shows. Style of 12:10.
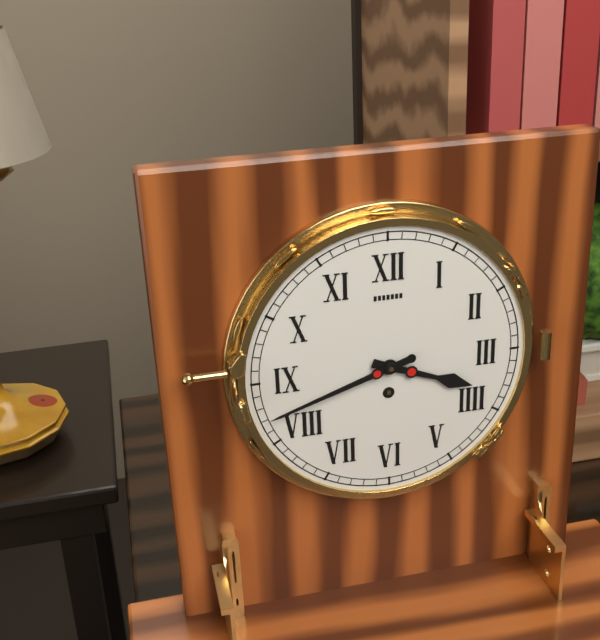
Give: 3:42
